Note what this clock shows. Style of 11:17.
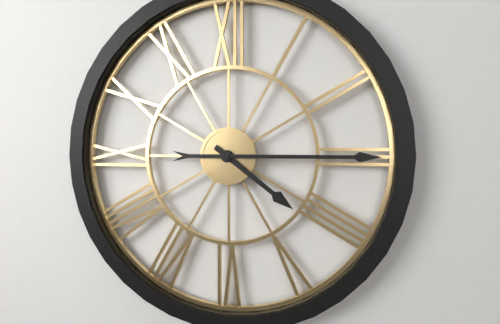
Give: 4:15
